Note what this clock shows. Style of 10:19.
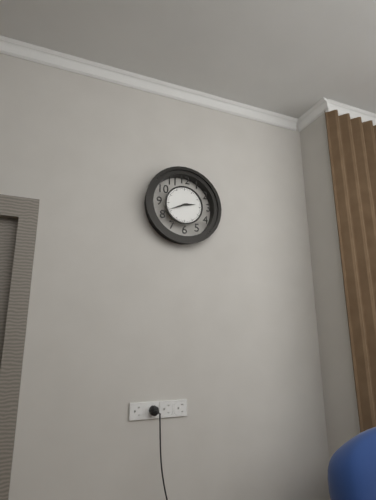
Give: 2:41
